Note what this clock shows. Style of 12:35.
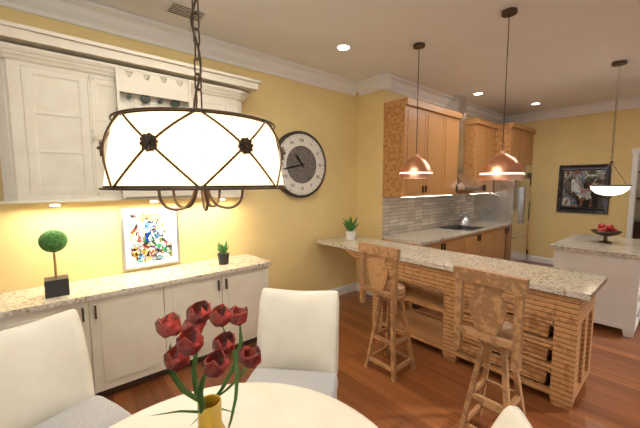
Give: 10:43
